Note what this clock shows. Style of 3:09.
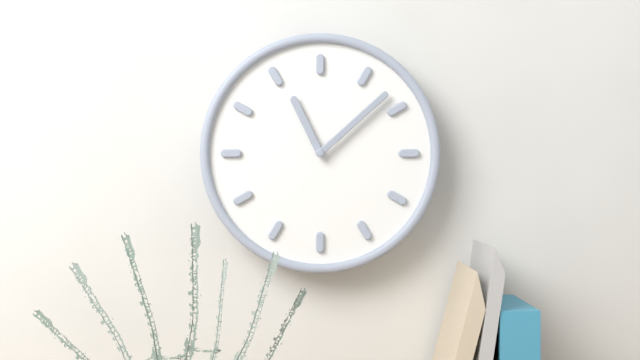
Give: 11:08
